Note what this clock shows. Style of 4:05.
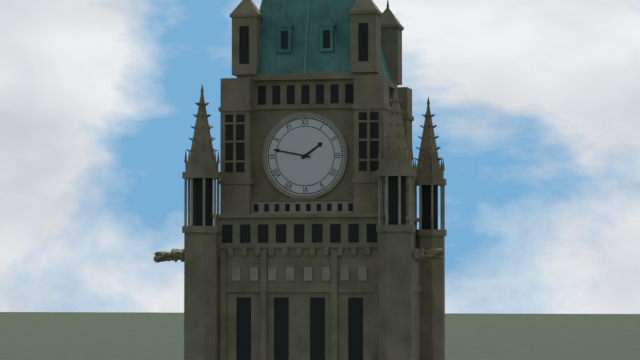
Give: 1:47
